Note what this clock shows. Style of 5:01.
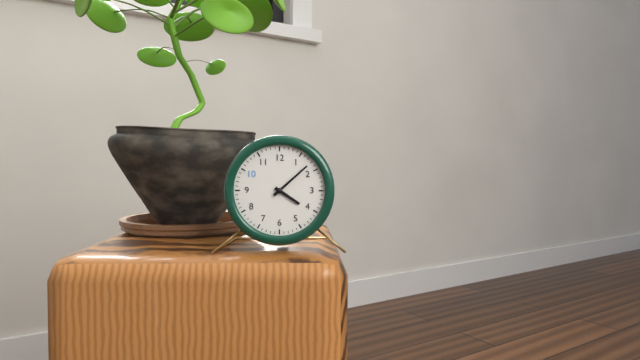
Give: 4:08
